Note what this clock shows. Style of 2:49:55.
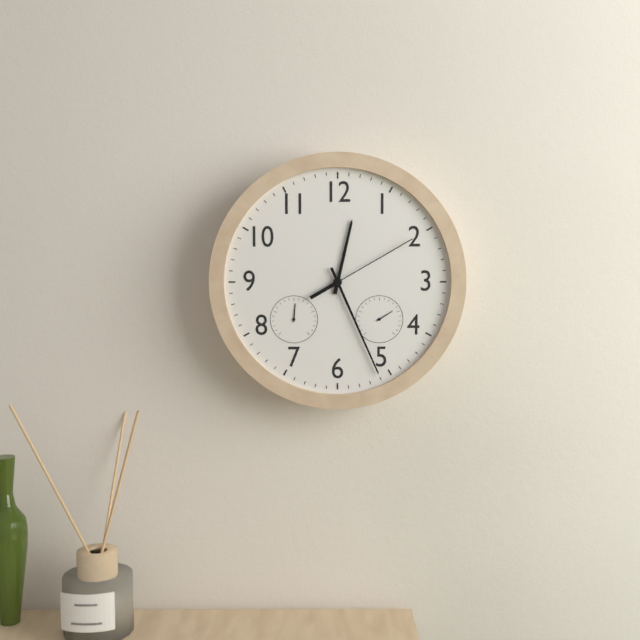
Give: 12:26:10
